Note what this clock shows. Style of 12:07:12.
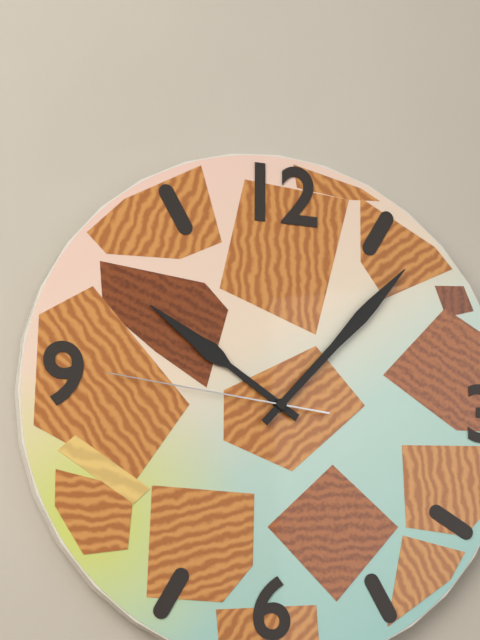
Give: 10:07:46
